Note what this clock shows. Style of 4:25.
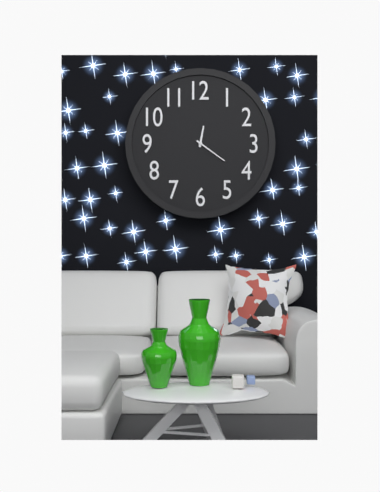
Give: 12:21
